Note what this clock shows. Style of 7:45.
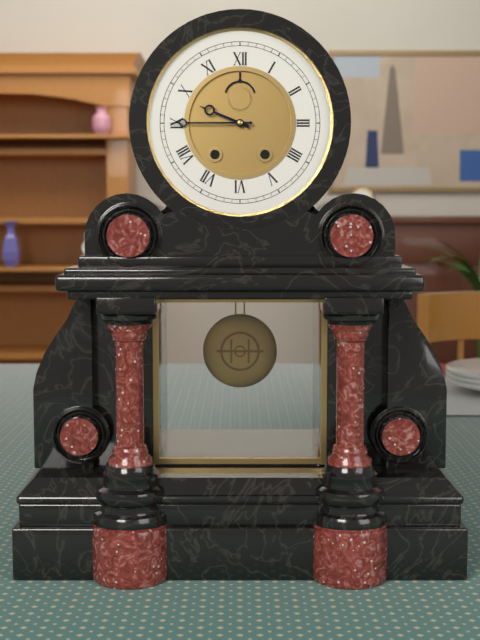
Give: 9:45
